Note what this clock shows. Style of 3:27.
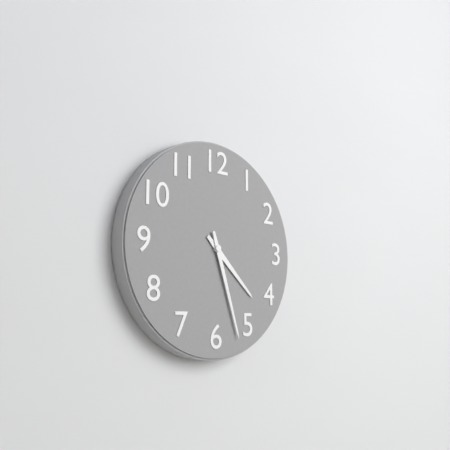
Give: 4:27
